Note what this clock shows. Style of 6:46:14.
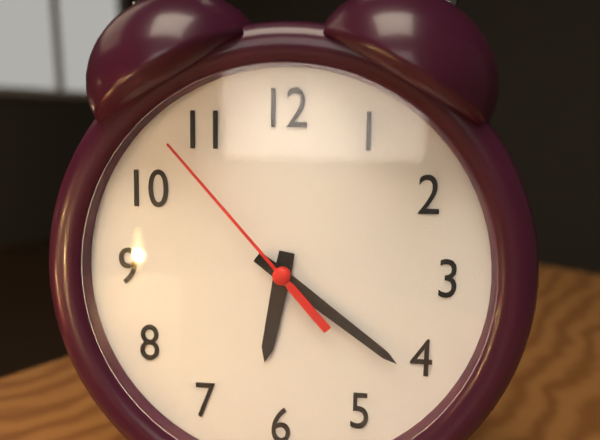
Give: 6:21:53
